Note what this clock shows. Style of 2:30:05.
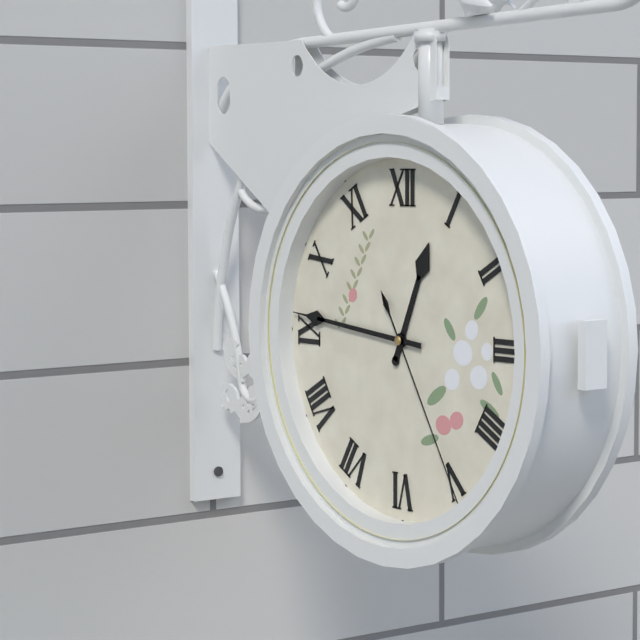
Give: 12:46:25
